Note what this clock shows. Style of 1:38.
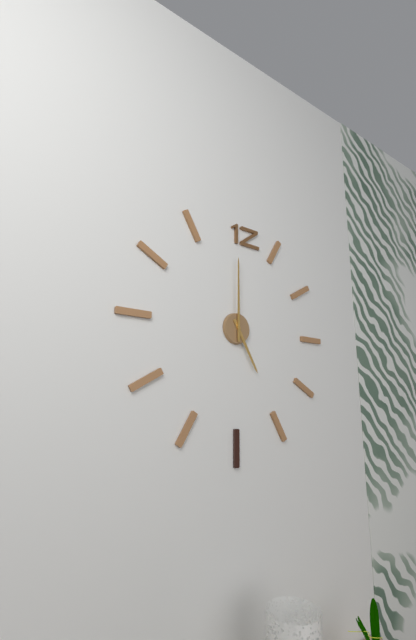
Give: 5:00
